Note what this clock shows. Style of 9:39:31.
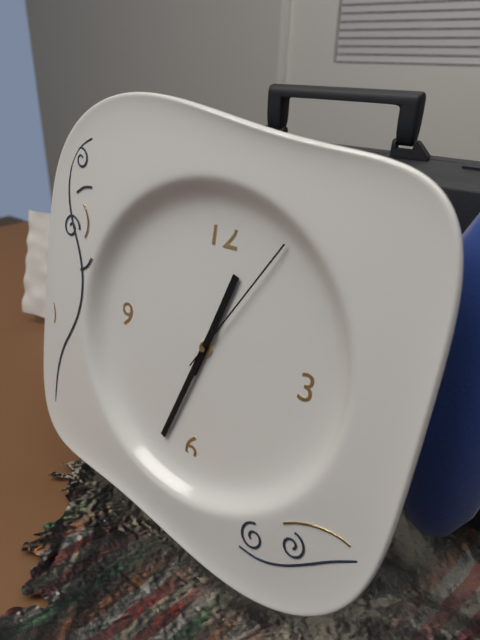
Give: 12:33:05
